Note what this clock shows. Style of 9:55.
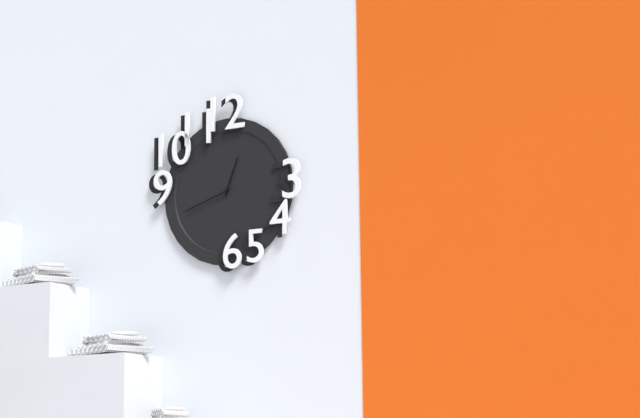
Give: 12:42
